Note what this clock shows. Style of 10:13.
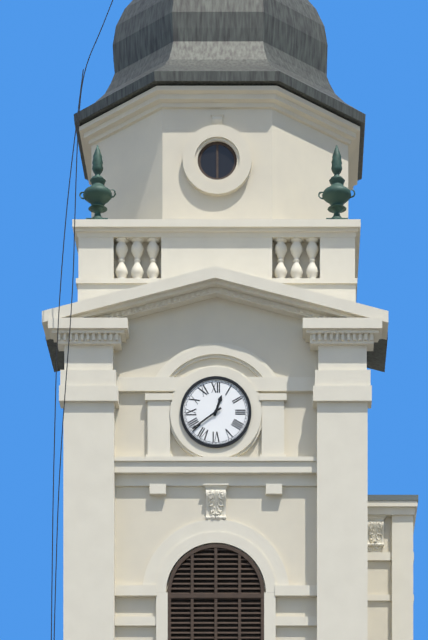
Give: 12:39
